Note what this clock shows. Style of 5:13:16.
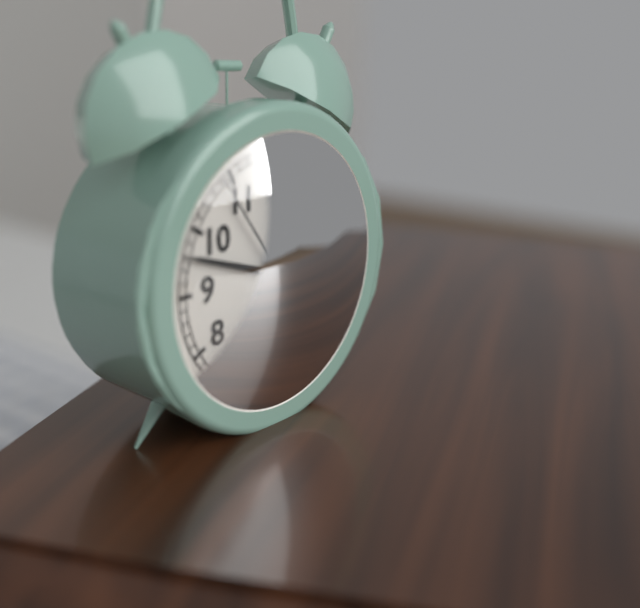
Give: 4:48:54
